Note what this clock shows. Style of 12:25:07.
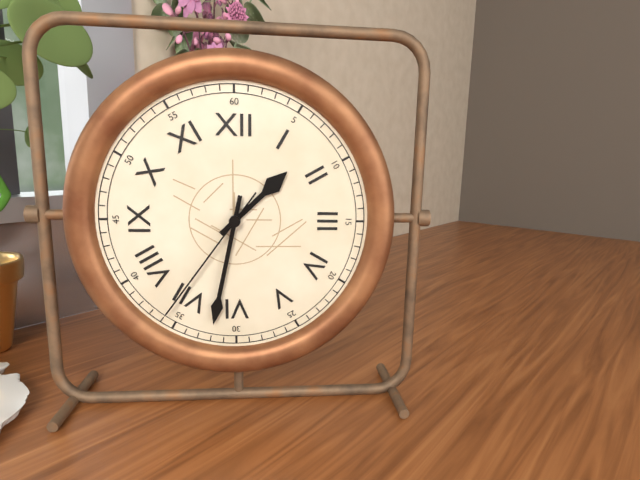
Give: 1:32:36
